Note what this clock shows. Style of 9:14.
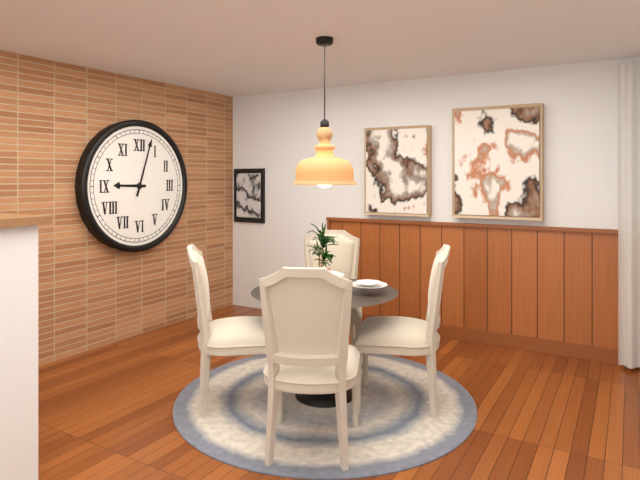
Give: 9:03
